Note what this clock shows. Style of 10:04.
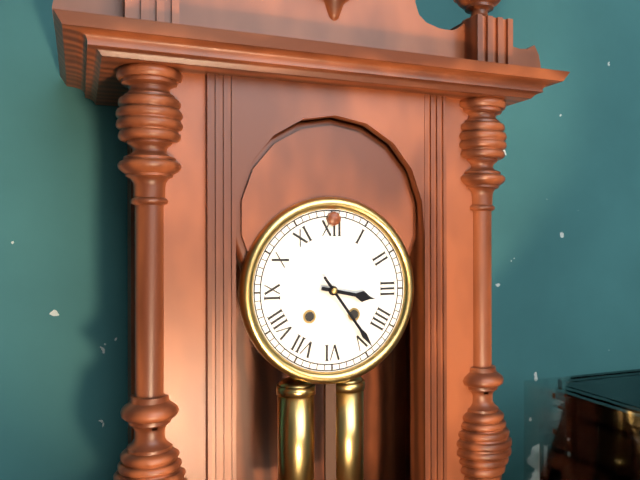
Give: 3:24
